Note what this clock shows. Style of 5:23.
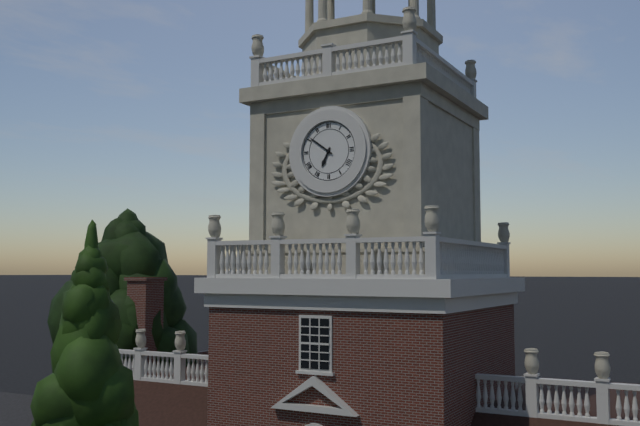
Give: 6:51
